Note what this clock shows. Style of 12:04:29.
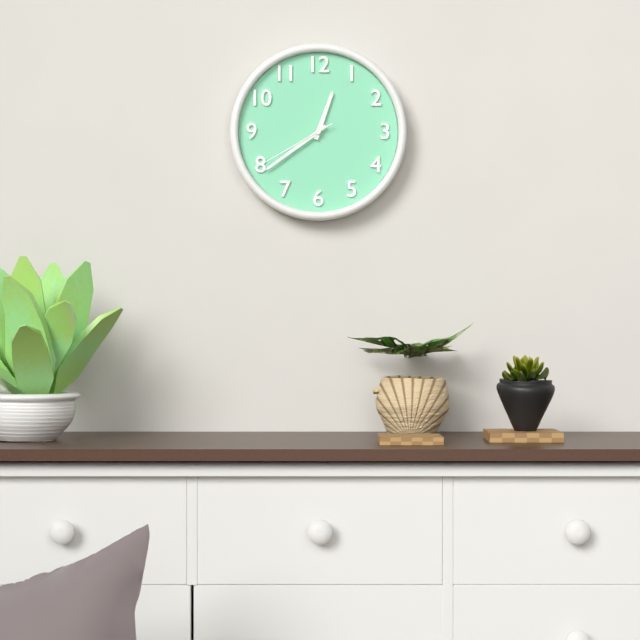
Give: 12:39:40
